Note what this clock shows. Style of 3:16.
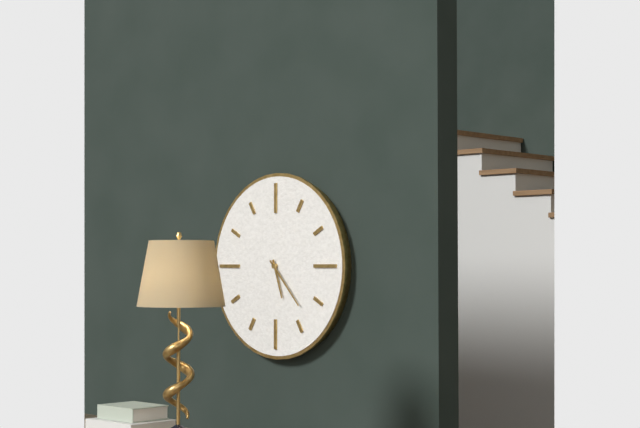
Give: 5:23
